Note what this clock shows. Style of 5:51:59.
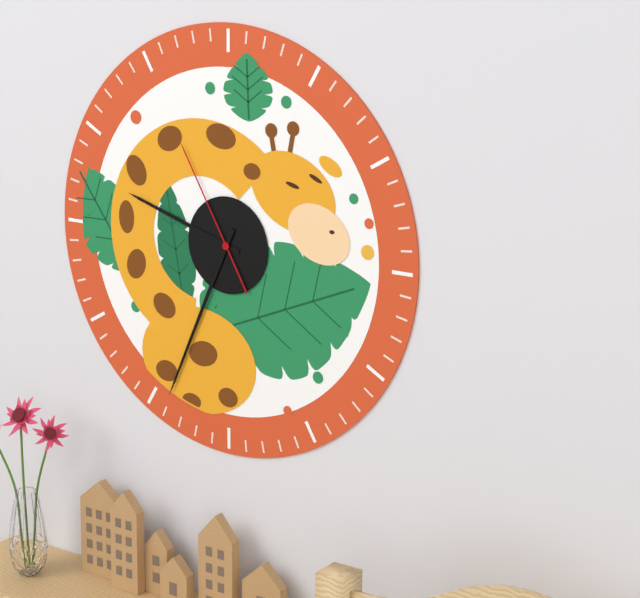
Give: 9:34:55
